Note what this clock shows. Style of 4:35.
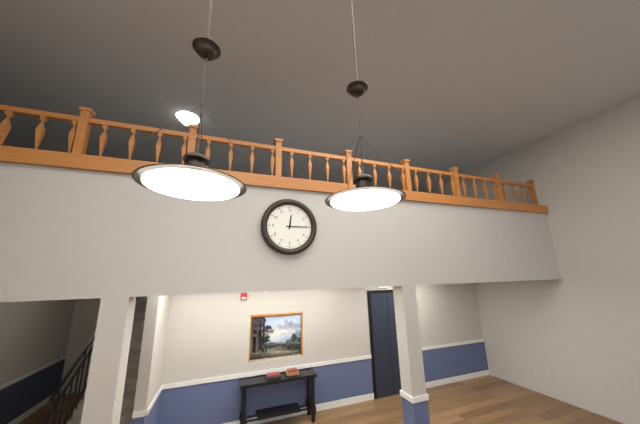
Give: 12:15
